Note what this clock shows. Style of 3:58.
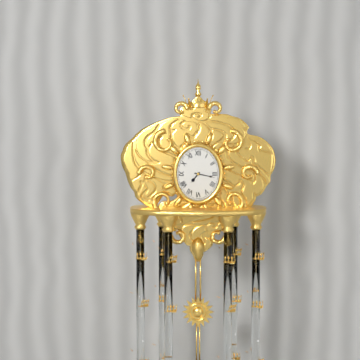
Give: 7:17
